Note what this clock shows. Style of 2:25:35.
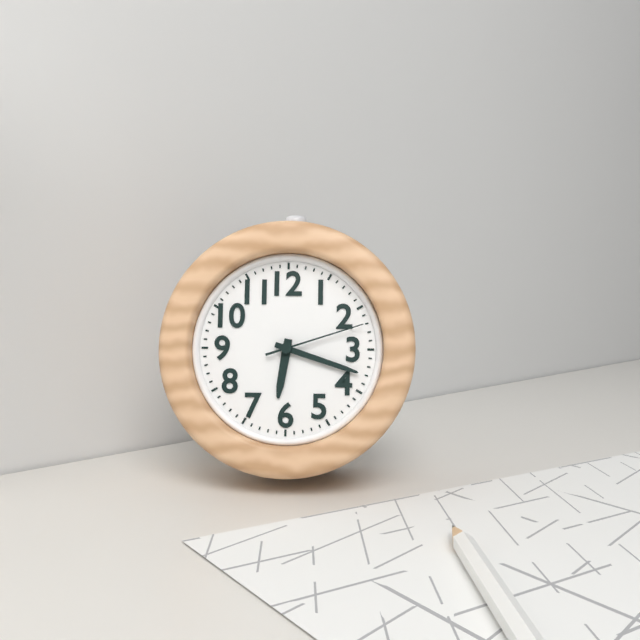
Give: 6:18:12
